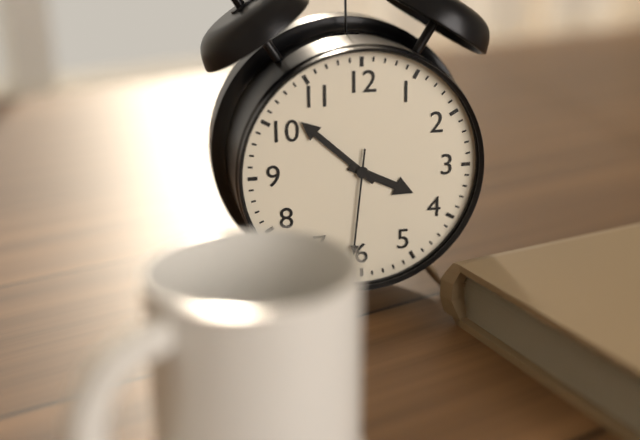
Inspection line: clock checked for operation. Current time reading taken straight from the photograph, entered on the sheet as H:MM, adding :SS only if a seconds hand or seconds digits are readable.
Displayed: 3:52:31
